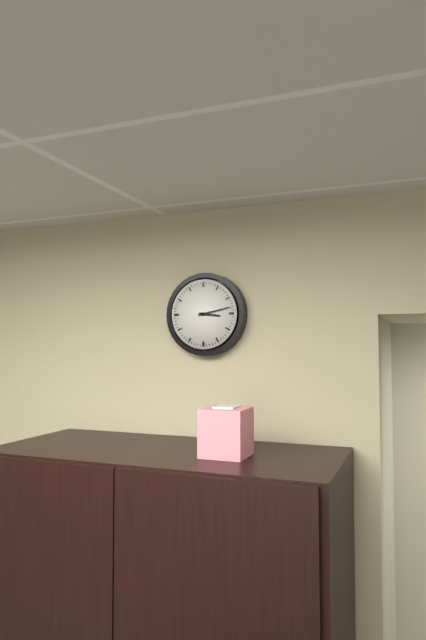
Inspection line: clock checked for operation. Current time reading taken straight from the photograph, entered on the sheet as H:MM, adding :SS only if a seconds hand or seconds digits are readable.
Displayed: 3:13
